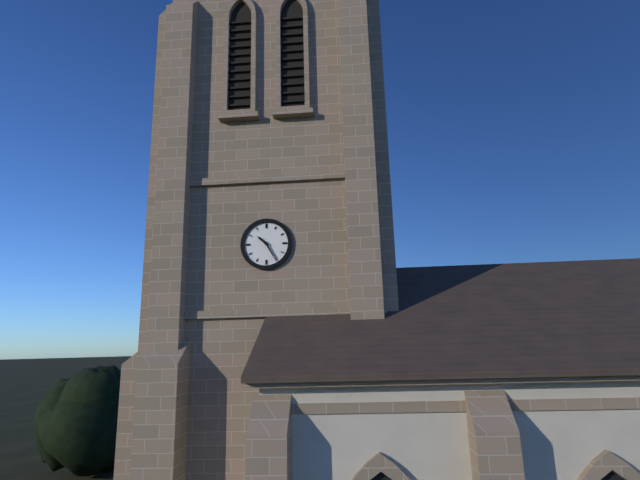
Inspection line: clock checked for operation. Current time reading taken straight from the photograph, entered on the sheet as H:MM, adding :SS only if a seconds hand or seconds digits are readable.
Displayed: 10:25
